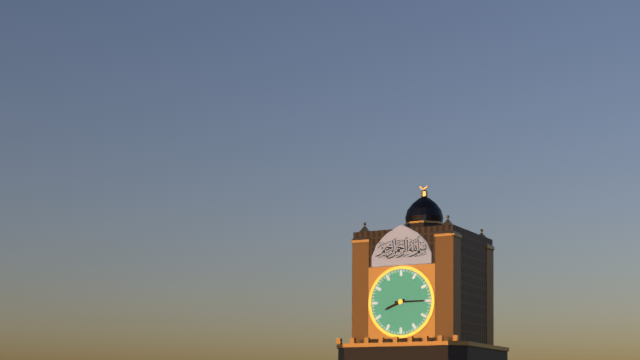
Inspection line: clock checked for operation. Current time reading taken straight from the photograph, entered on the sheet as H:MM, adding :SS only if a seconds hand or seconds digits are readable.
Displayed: 8:15
